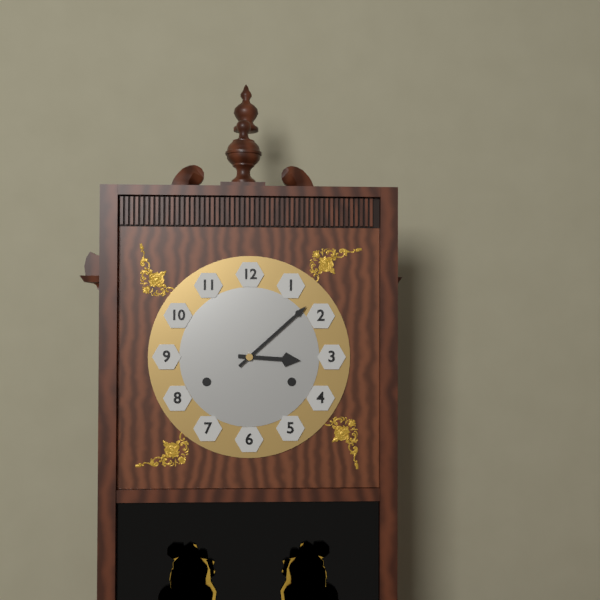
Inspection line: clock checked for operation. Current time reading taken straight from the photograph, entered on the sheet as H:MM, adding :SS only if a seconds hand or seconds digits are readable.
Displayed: 3:08
